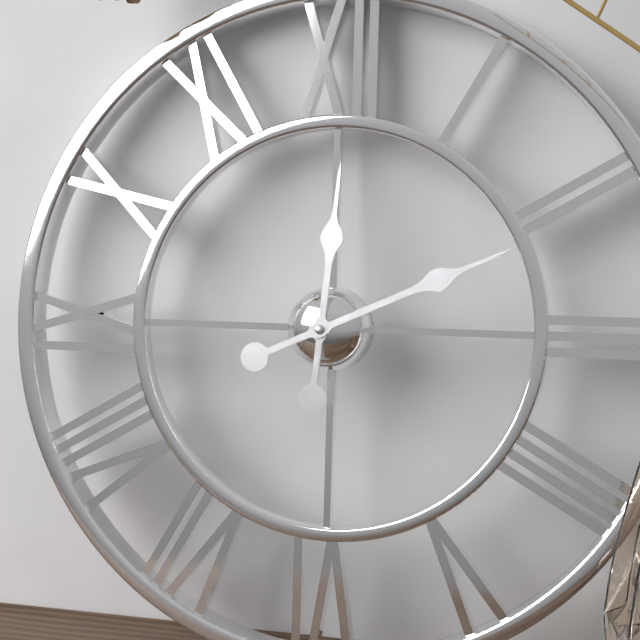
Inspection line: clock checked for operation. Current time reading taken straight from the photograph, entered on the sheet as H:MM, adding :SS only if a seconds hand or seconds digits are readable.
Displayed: 12:11
